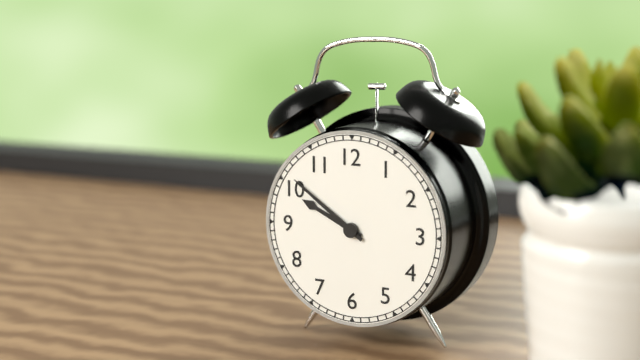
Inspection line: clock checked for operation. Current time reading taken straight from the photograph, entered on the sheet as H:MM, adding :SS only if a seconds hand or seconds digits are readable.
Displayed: 9:51
